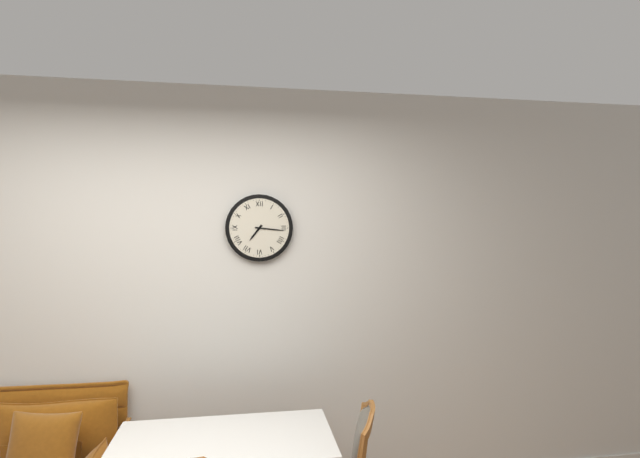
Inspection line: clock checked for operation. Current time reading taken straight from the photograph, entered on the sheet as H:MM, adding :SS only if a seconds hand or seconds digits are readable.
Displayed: 7:16
